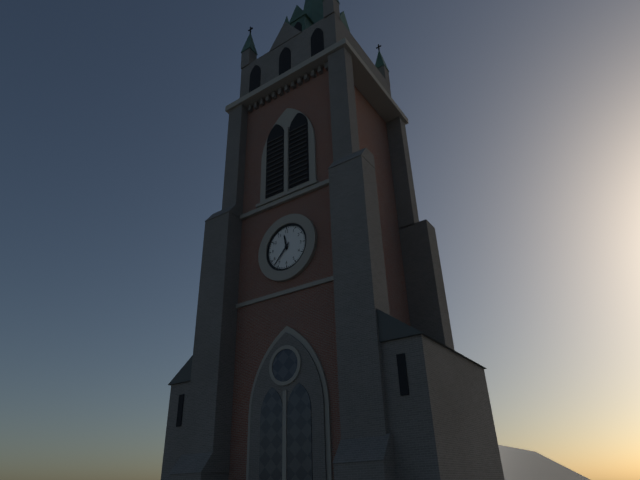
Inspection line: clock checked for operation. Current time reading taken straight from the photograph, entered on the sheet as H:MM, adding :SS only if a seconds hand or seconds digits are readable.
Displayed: 11:37
